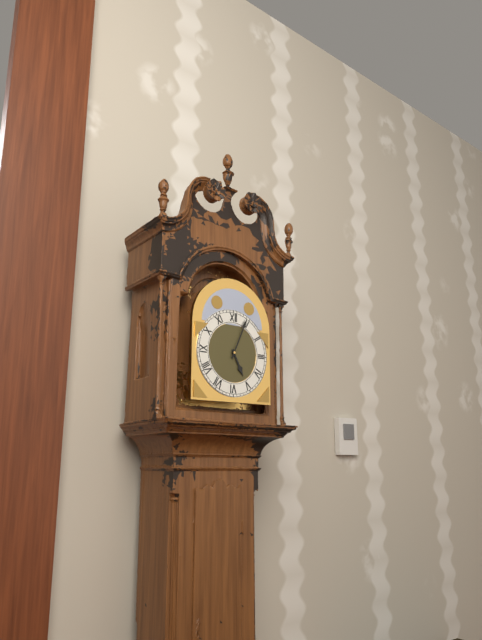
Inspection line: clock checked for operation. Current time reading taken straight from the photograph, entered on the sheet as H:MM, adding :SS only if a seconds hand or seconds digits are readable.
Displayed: 5:04
